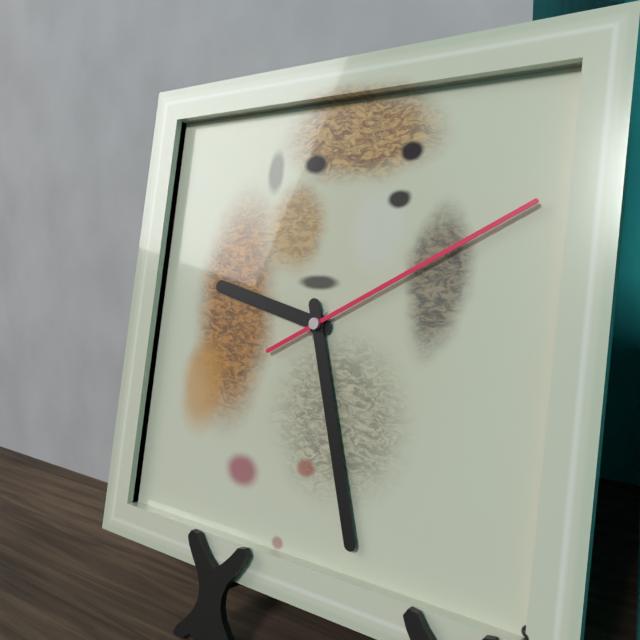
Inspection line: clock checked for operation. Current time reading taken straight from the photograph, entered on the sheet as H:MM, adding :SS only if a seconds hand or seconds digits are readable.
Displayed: 9:27:10
